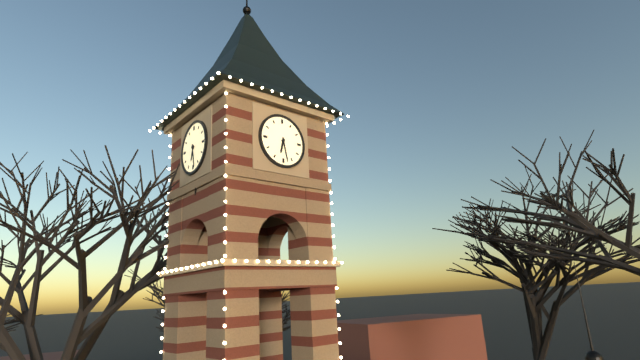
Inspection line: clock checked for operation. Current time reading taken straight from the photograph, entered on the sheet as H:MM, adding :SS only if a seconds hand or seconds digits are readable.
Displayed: 6:28
